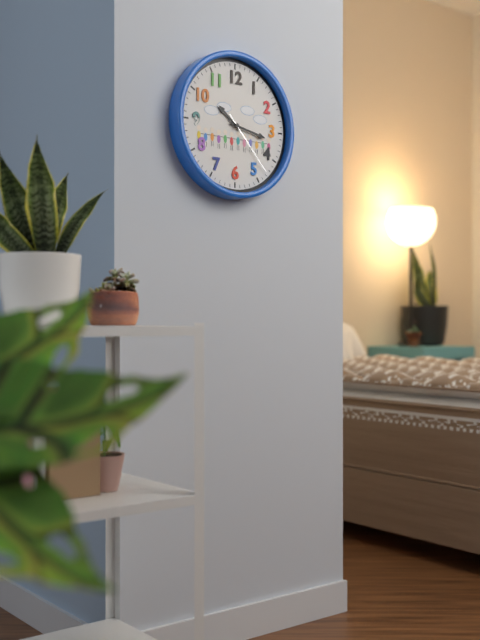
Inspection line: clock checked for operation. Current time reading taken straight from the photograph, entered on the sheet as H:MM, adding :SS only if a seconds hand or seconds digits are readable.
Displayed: 10:17:23
